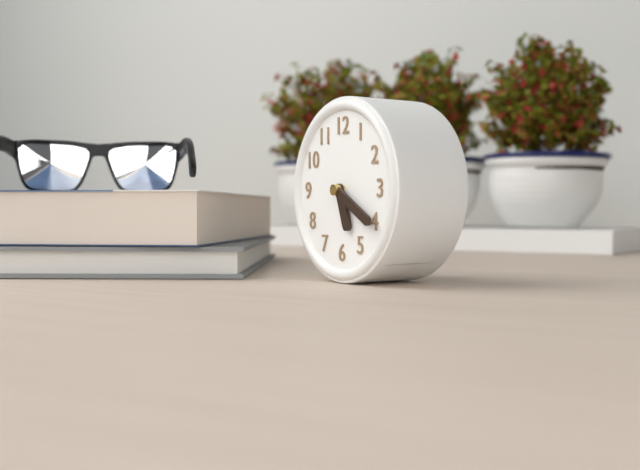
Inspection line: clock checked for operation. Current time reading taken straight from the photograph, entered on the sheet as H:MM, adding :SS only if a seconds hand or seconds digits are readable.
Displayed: 5:20
